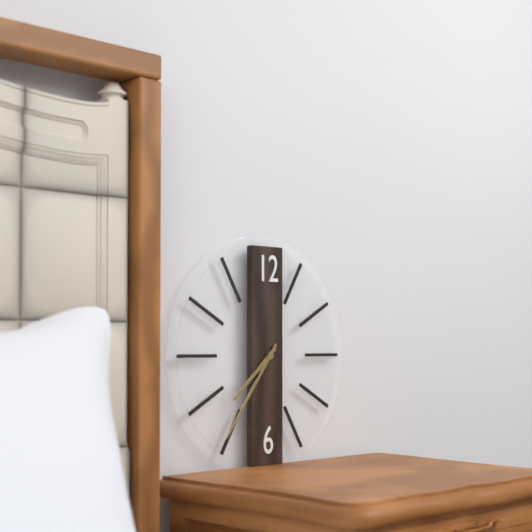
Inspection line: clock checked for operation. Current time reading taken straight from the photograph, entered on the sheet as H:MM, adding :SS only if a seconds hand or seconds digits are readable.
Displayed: 7:36
